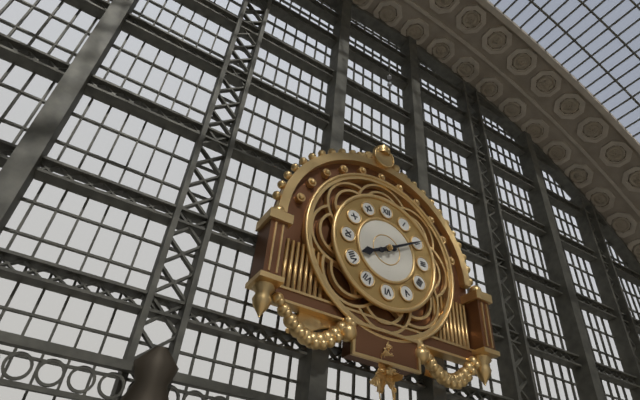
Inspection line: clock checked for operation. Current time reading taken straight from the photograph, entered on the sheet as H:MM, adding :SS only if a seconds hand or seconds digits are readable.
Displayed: 8:10
